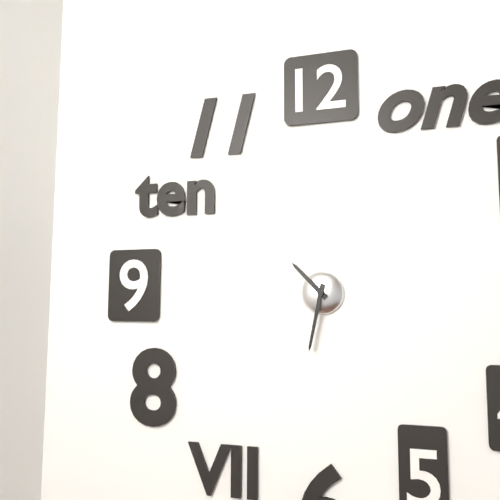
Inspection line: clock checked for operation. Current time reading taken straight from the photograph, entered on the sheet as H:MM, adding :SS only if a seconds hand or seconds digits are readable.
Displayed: 10:32
